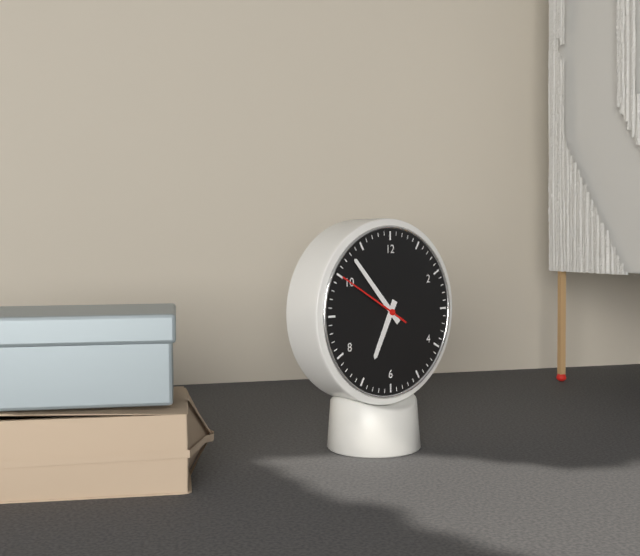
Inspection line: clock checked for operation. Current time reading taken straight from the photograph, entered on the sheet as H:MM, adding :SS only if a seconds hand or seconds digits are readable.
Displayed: 6:53:50
